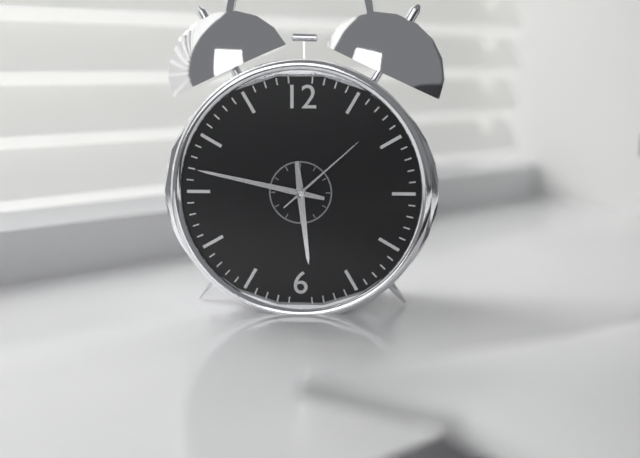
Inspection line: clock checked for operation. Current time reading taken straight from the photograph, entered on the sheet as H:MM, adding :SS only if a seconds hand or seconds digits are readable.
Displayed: 5:47:08
